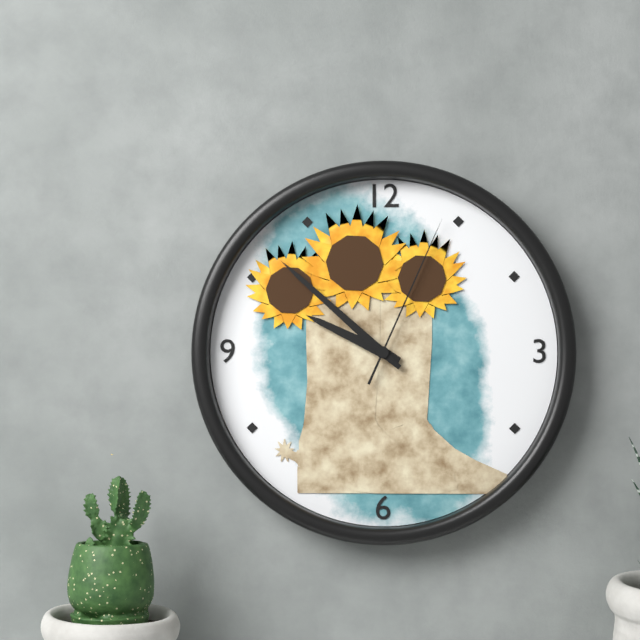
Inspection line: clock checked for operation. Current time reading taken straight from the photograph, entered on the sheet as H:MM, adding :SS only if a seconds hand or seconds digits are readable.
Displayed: 9:52:04
